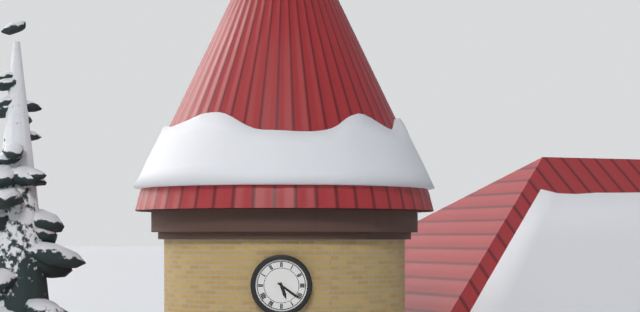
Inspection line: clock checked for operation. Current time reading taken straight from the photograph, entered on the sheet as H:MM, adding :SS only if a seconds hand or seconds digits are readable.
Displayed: 5:21
